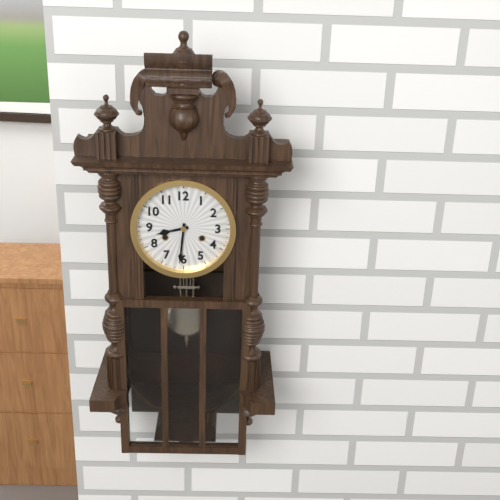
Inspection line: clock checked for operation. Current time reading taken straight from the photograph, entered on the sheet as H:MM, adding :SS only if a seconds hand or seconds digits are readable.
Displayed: 8:31
